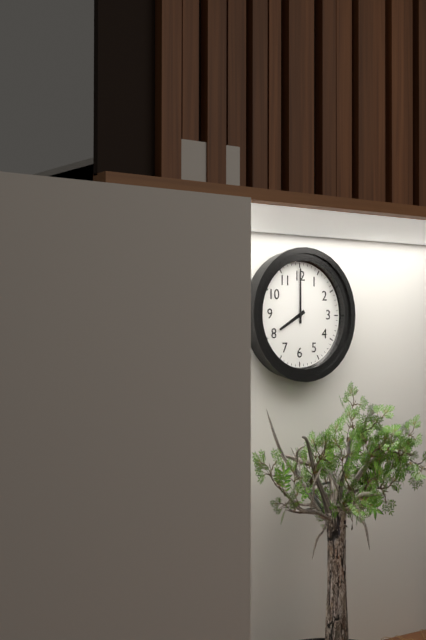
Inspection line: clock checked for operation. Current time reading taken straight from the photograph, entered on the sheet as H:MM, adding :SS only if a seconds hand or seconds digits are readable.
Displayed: 8:00
